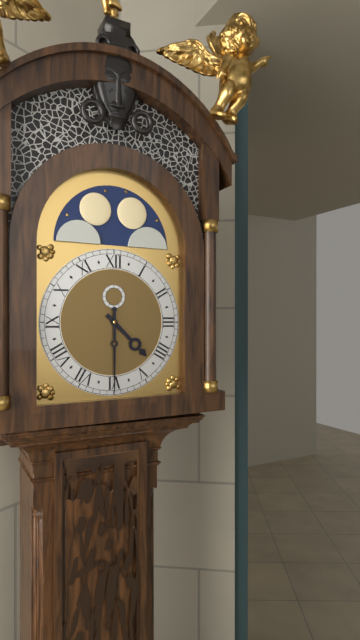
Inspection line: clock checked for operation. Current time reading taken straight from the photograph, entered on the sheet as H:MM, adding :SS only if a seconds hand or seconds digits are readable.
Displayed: 4:30
